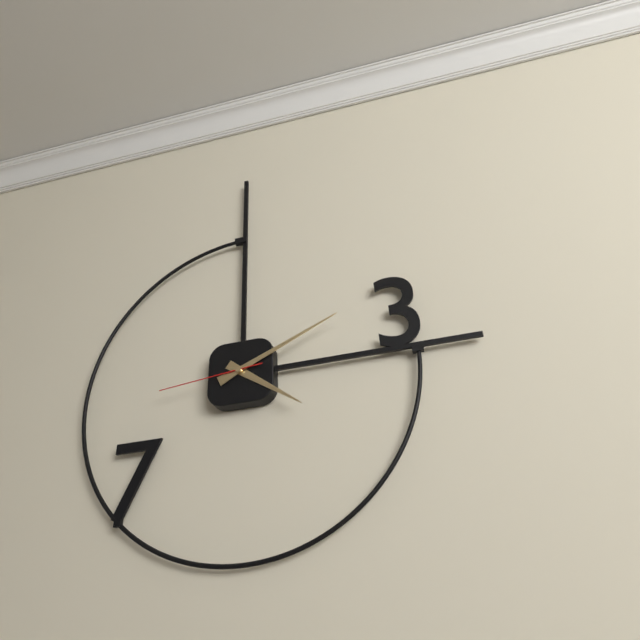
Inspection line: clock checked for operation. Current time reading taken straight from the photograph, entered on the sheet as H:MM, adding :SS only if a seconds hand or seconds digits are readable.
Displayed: 4:11:44
